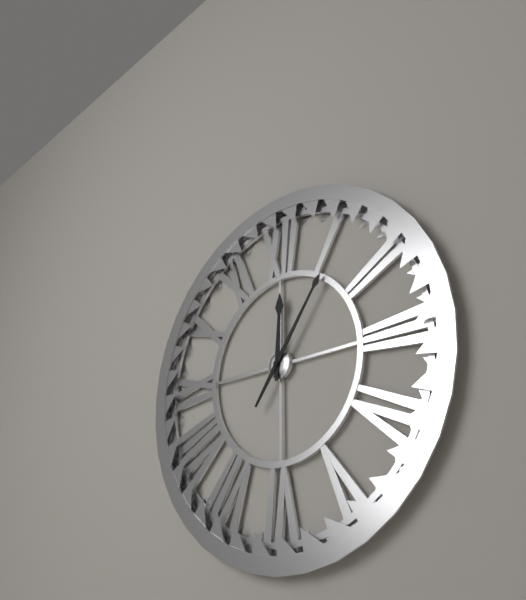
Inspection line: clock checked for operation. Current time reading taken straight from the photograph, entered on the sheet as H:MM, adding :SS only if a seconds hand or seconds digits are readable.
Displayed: 12:06
